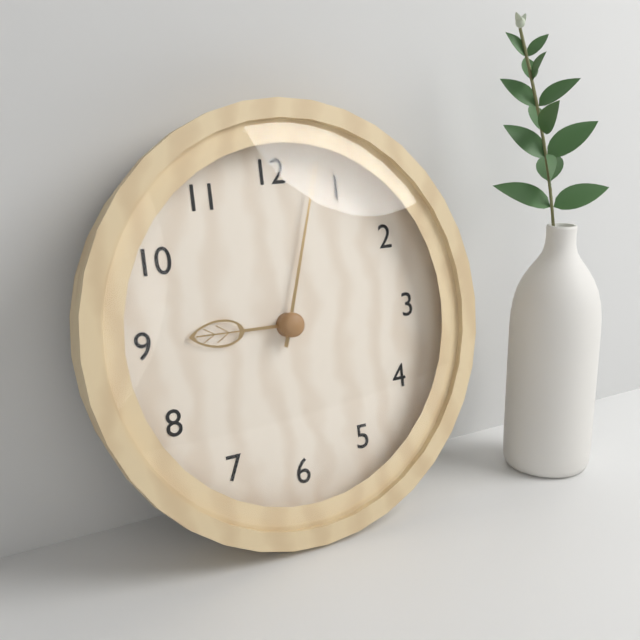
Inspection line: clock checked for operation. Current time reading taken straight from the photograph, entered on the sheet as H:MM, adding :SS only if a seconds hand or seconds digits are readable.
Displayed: 9:03
